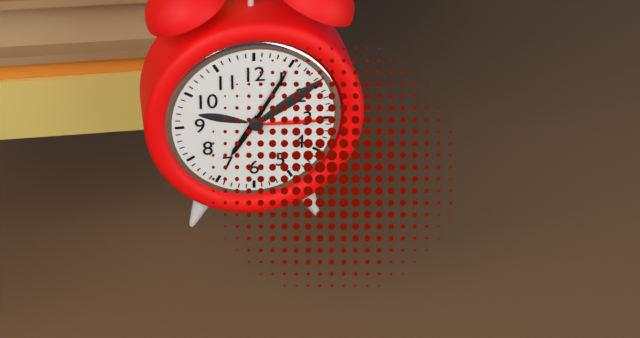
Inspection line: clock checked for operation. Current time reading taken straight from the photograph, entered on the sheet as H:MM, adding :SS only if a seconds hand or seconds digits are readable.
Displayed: 7:05
